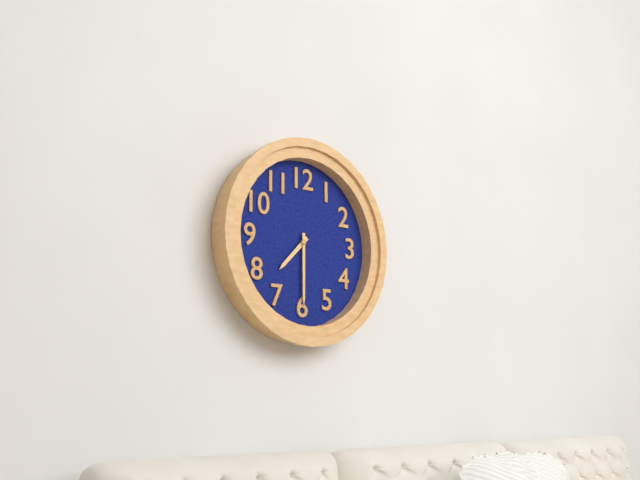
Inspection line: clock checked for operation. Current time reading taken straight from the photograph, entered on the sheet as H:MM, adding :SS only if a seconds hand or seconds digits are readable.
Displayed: 7:30
